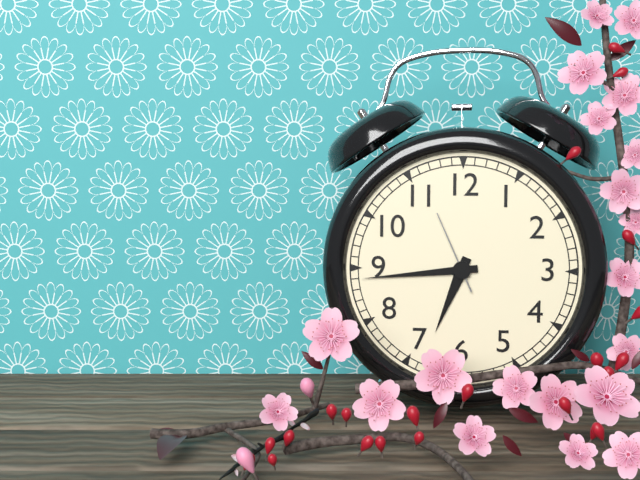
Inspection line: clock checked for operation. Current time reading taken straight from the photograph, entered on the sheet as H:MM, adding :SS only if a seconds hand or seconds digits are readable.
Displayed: 6:44:56
